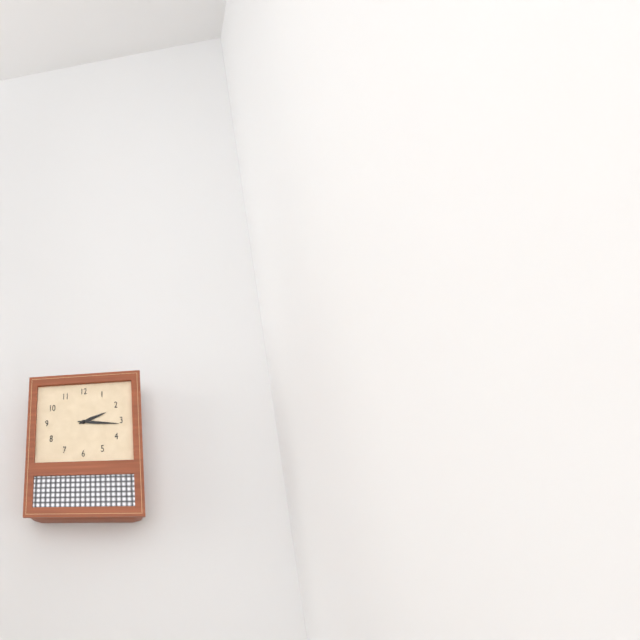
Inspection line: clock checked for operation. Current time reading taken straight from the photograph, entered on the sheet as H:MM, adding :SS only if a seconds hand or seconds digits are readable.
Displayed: 2:16
